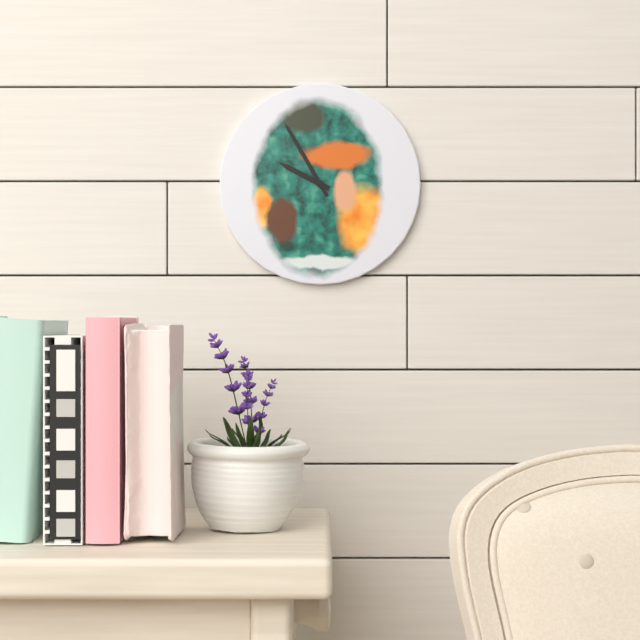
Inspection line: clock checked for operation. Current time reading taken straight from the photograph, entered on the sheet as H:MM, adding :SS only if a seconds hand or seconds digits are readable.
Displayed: 9:55
